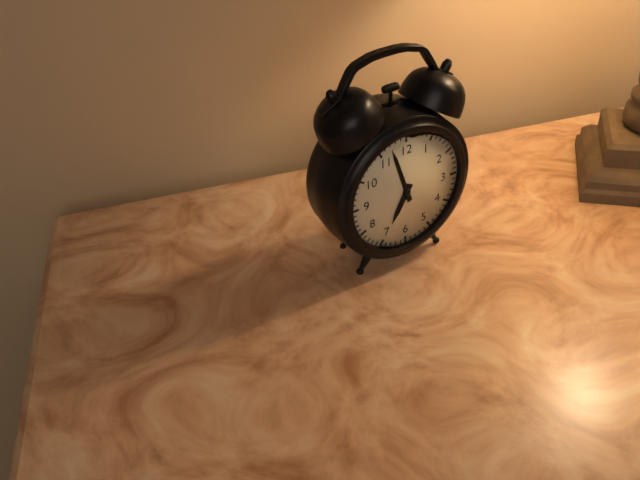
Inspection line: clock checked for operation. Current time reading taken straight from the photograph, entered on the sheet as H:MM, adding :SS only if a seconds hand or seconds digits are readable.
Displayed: 6:57
